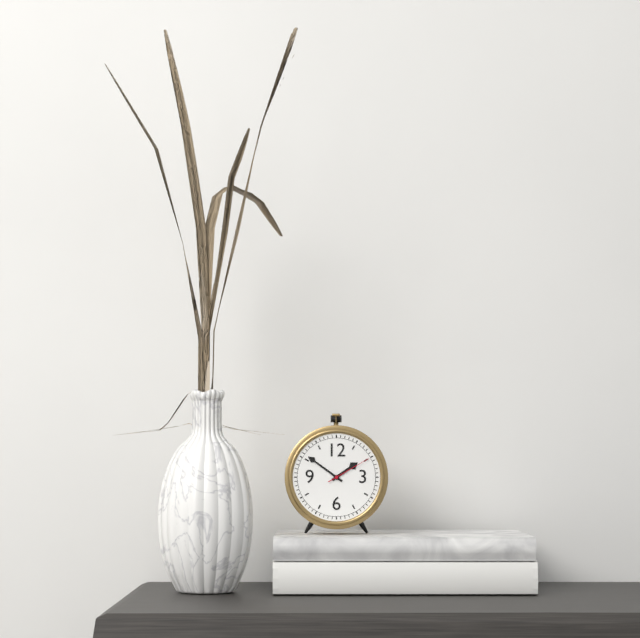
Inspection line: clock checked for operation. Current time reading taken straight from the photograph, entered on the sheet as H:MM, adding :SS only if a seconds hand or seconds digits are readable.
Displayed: 1:51
